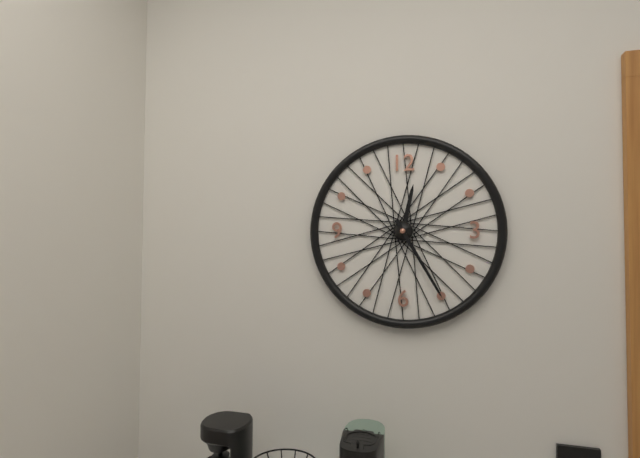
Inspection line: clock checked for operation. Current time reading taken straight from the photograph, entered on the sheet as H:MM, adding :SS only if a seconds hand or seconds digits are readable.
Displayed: 12:25
